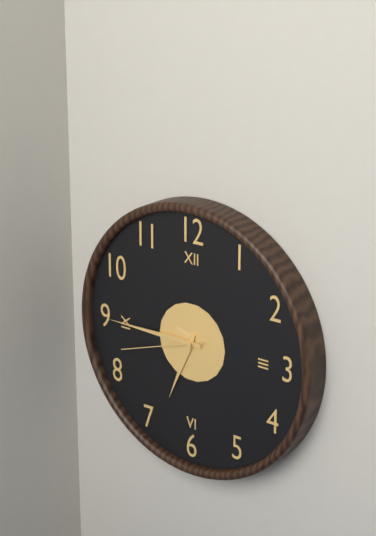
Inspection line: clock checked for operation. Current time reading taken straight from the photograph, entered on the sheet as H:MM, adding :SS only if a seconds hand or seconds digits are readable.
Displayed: 6:45:42
